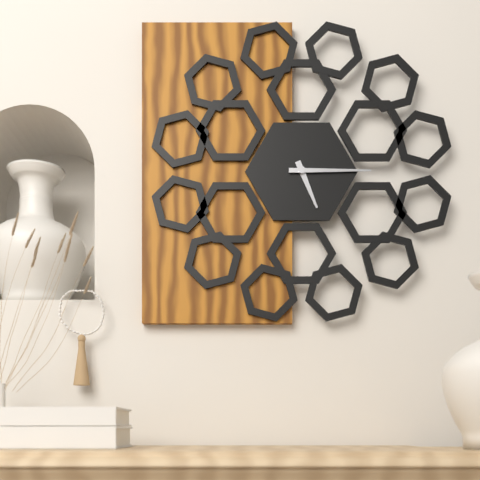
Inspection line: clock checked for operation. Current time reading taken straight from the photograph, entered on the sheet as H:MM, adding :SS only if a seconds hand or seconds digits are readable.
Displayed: 5:15
